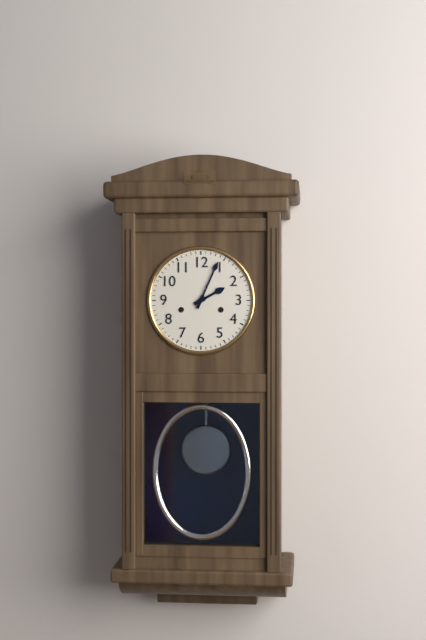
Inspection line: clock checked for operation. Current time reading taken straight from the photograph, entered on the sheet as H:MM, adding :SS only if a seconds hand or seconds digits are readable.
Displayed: 2:04
